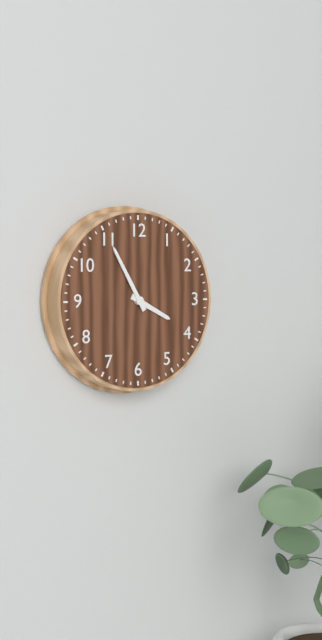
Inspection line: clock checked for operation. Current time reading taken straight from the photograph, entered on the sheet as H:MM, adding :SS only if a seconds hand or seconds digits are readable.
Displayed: 3:55
